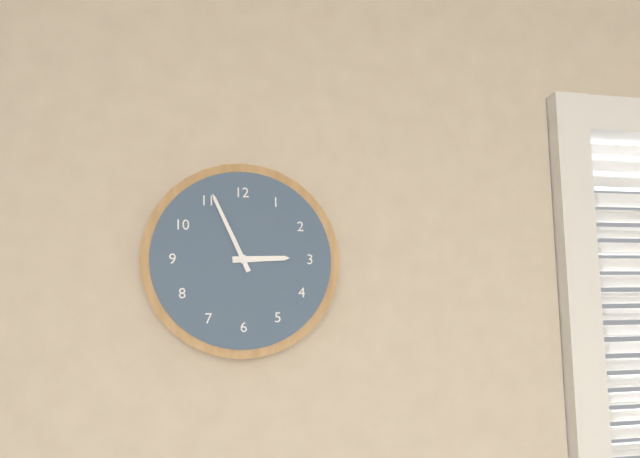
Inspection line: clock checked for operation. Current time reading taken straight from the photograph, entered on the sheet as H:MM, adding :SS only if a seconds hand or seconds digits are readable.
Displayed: 2:56
